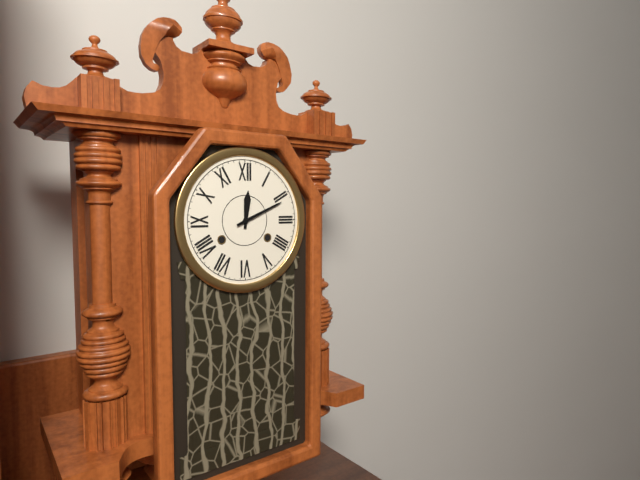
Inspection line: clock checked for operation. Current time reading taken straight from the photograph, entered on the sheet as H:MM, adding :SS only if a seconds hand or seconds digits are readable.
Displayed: 12:11
